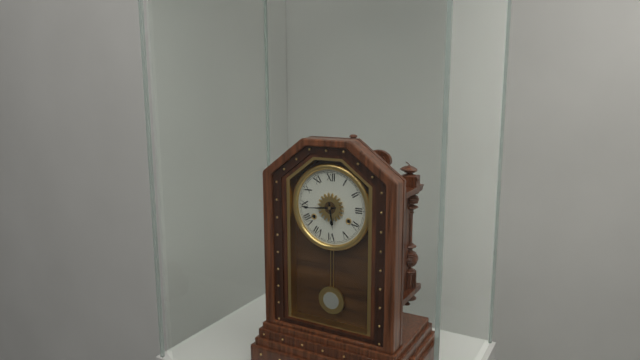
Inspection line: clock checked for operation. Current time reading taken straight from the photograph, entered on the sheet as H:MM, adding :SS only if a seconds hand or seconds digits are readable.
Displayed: 5:44
